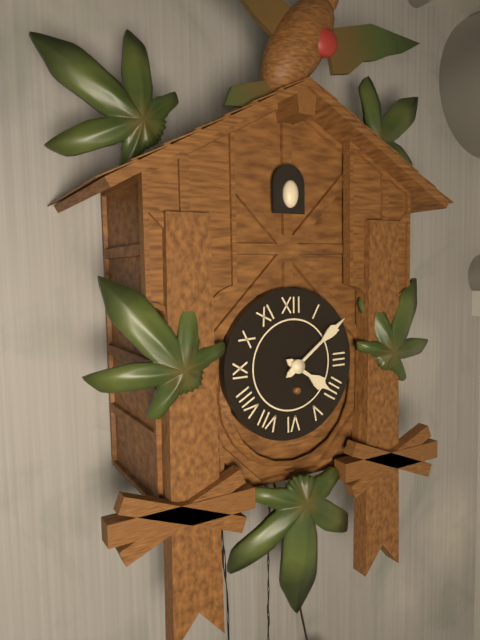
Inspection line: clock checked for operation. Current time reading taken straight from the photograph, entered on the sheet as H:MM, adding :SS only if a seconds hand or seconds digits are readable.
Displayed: 4:09
